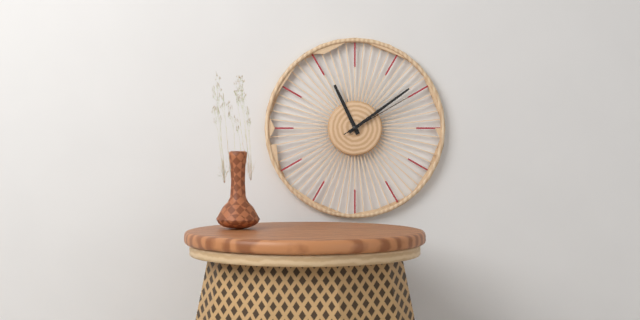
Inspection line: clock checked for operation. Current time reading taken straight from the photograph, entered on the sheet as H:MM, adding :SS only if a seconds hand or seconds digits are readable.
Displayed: 11:09:10
